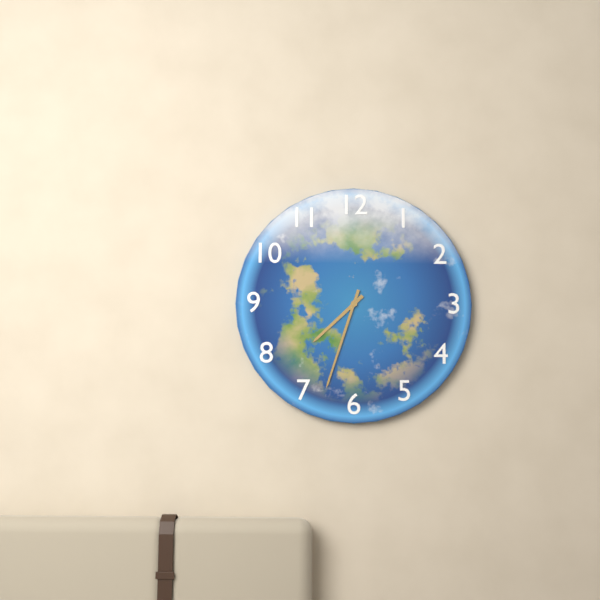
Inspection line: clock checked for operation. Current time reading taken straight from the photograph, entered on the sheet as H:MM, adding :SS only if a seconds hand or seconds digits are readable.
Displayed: 7:33
